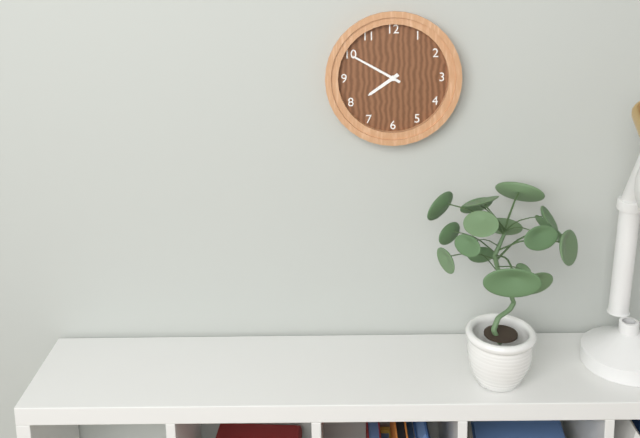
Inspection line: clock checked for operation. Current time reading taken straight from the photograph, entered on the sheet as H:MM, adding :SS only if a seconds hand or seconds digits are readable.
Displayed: 7:50
